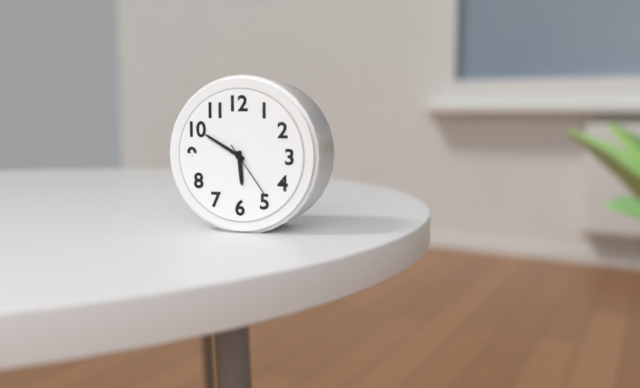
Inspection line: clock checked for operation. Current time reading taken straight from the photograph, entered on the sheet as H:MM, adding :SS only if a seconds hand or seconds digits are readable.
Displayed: 5:50:24
